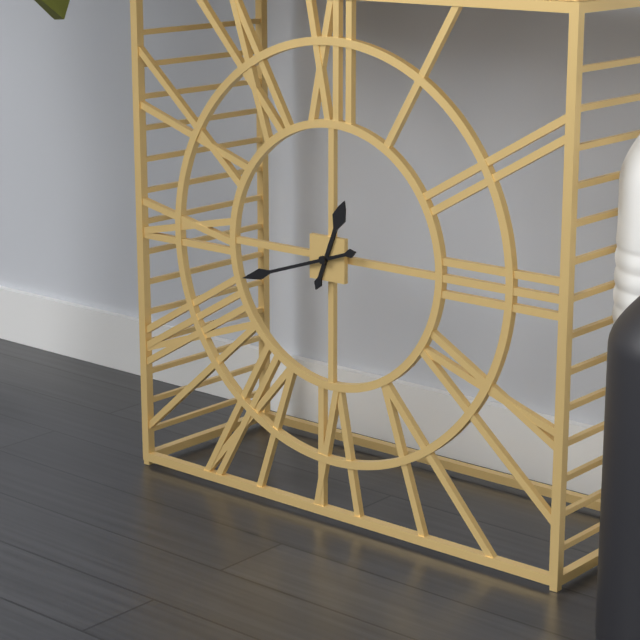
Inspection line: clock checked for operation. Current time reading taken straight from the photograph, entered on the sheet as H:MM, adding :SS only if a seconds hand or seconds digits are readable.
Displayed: 12:42
